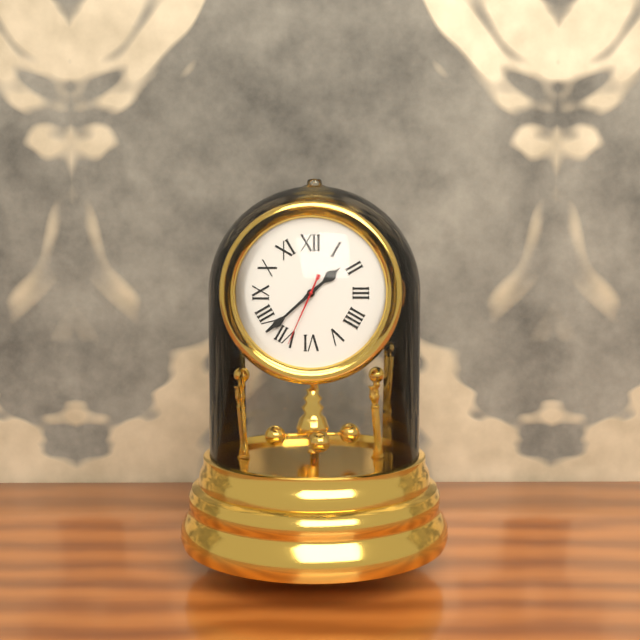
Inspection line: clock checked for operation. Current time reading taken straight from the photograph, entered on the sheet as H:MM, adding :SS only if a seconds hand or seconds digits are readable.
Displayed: 1:38:34
